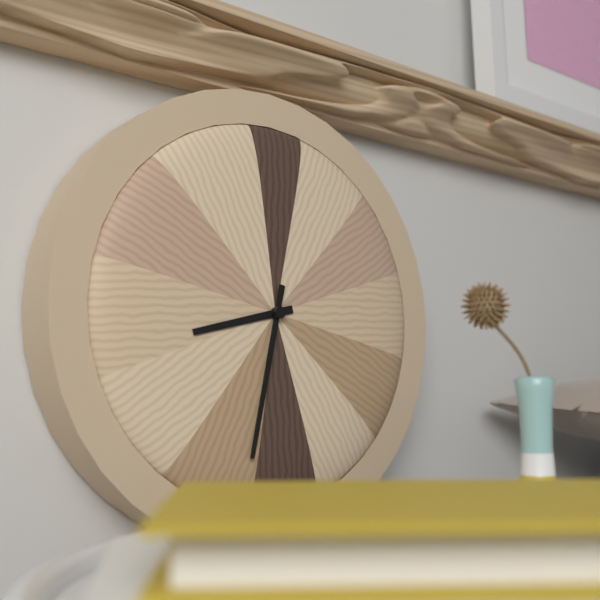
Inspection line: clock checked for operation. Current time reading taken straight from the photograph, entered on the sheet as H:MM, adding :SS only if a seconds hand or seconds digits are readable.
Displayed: 8:32
